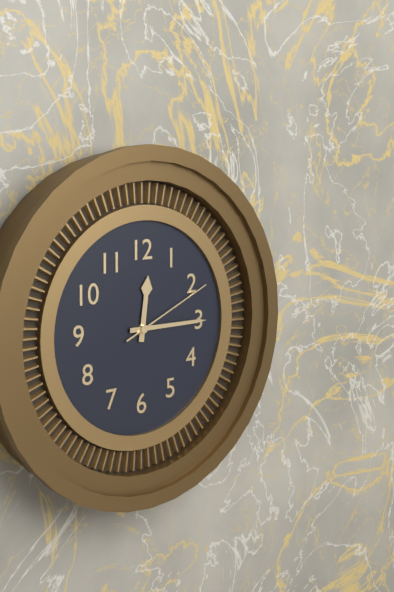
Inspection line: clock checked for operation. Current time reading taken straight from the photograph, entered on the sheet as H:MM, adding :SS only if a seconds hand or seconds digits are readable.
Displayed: 12:15:11
